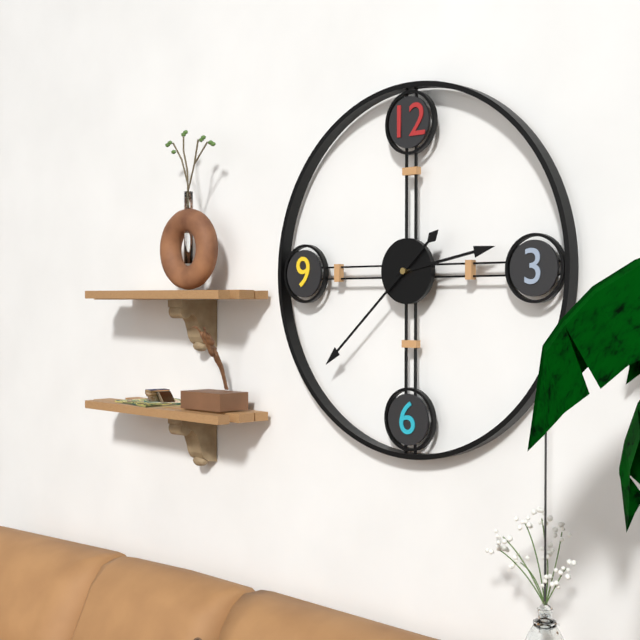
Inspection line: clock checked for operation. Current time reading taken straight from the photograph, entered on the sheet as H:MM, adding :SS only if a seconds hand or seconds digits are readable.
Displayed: 2:38
